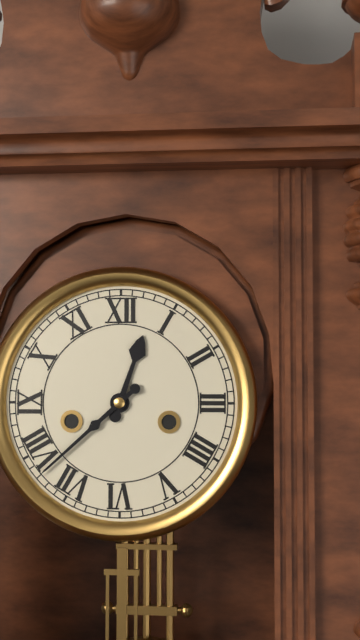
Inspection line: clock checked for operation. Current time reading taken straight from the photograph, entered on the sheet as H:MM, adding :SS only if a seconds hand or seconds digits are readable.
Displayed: 12:38
